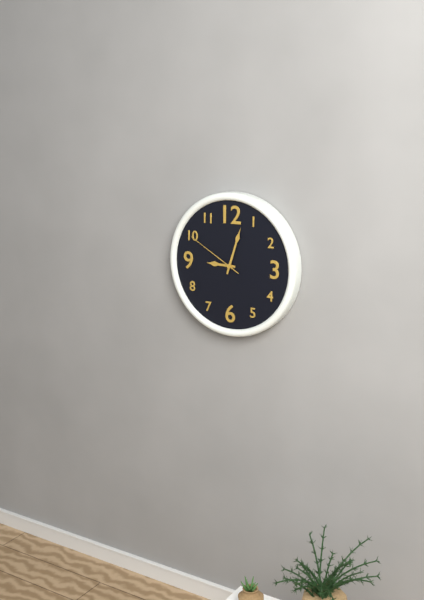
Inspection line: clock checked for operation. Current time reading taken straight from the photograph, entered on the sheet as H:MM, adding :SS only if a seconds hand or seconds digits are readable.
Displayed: 9:03:50
